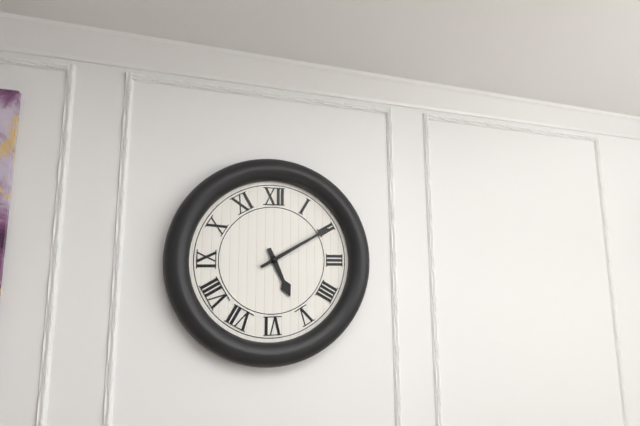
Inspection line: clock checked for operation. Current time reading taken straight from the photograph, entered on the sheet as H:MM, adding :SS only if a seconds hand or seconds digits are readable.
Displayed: 5:10
